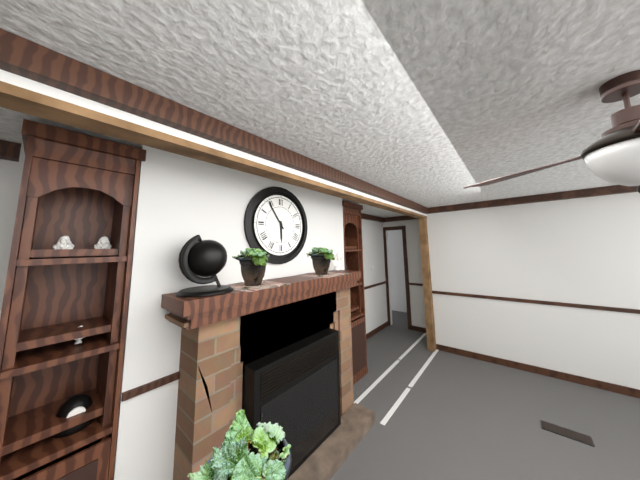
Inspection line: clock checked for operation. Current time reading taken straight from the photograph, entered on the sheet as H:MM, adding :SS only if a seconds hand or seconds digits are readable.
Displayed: 5:54
